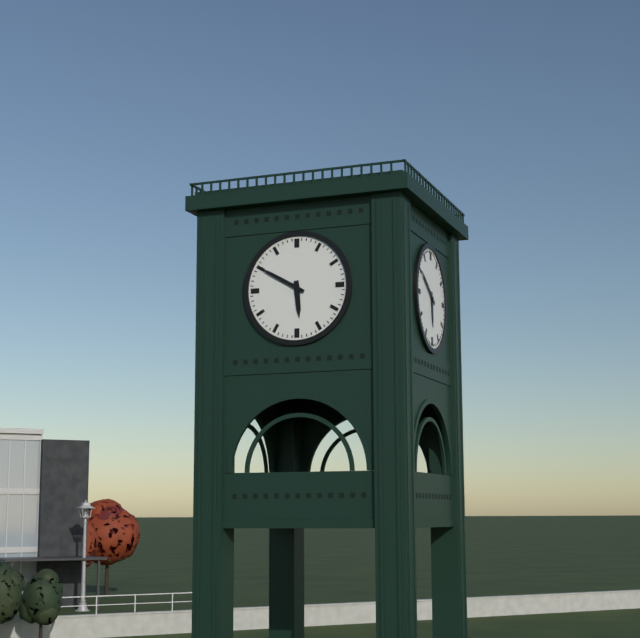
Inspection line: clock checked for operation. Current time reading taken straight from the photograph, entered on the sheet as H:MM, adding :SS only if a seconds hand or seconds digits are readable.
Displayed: 5:50
